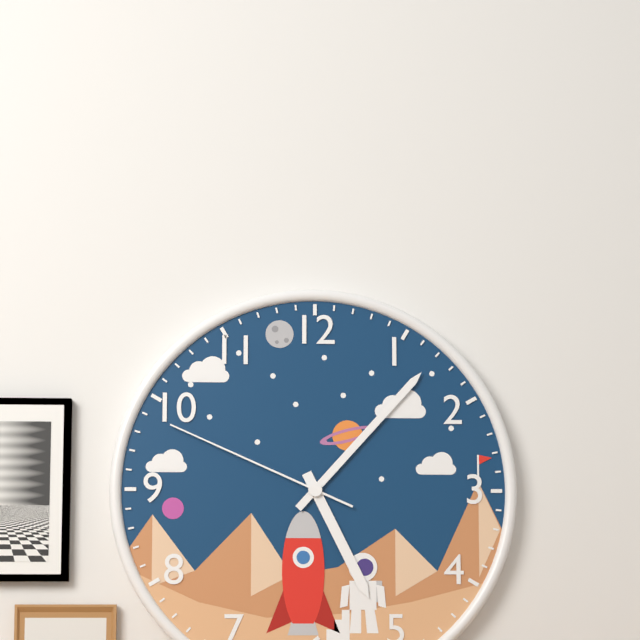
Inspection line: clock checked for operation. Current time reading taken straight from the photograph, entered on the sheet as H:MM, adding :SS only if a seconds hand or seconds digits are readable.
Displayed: 5:07:49
